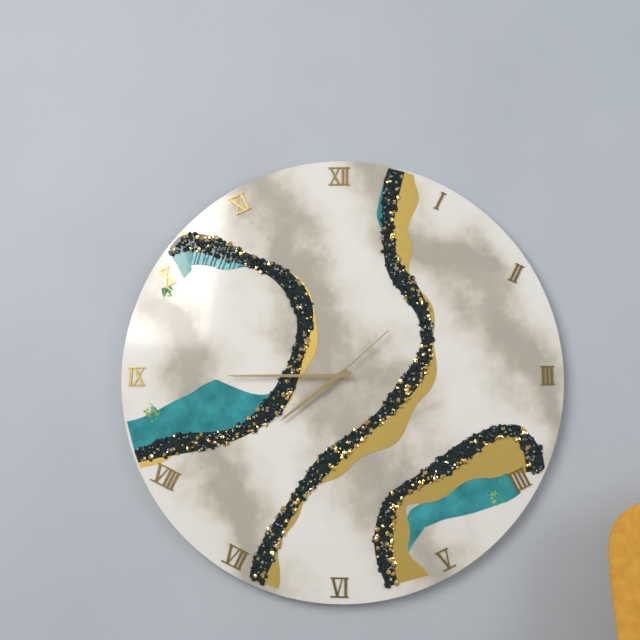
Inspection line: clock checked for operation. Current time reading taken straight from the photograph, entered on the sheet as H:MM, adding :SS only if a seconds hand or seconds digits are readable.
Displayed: 7:45:08
